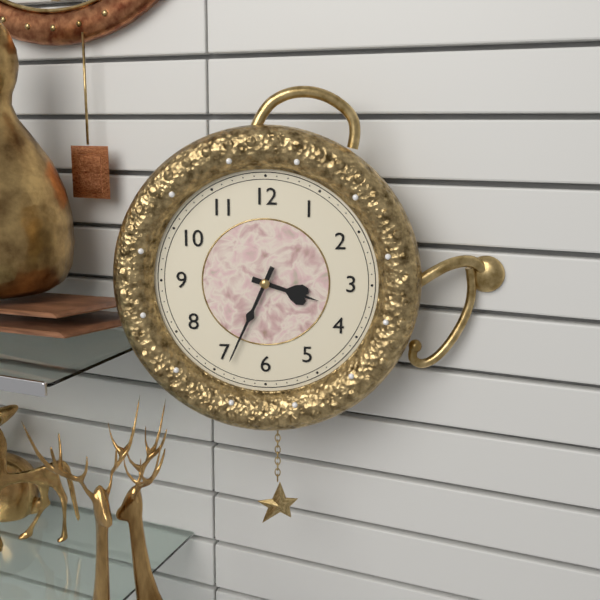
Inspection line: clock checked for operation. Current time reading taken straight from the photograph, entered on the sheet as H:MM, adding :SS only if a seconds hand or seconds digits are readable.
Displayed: 3:34
